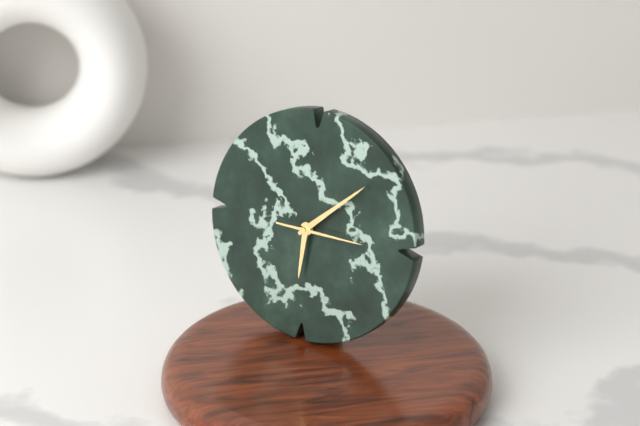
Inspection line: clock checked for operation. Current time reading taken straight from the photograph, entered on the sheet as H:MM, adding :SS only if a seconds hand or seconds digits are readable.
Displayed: 6:08:15
